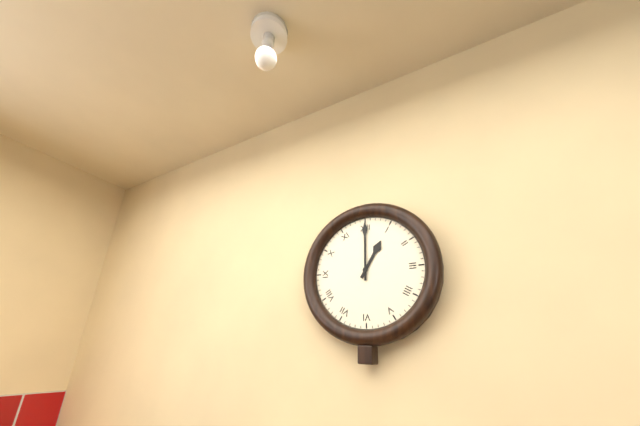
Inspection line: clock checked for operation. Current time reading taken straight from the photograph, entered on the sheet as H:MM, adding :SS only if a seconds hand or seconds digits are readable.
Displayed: 1:00
